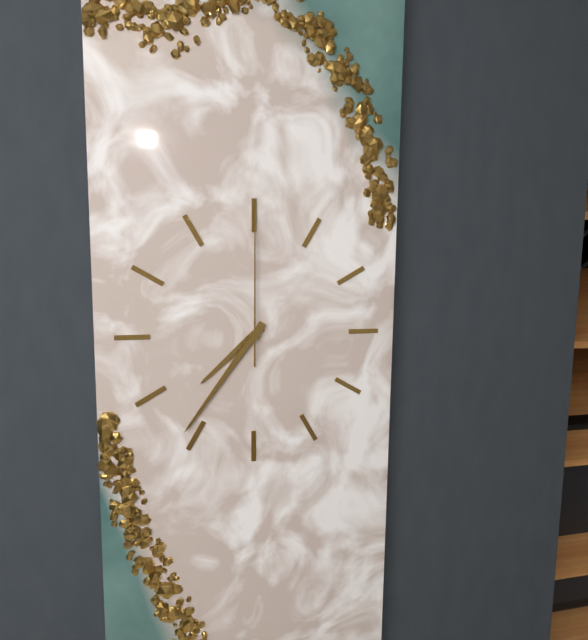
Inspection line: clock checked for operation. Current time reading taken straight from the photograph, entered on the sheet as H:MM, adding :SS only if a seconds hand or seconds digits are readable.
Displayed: 7:36:00
